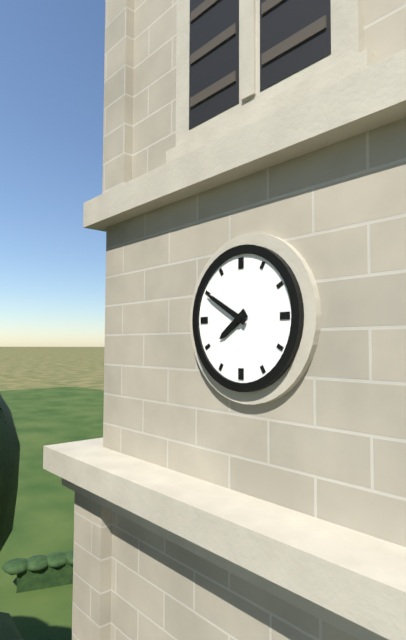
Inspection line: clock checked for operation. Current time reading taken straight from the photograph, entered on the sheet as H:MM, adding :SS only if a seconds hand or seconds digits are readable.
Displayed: 7:50
